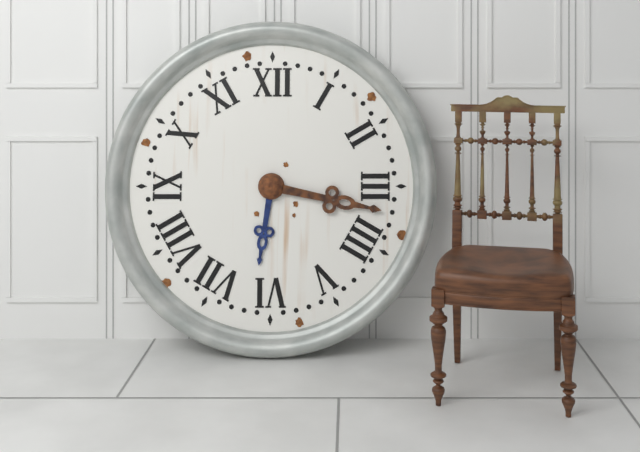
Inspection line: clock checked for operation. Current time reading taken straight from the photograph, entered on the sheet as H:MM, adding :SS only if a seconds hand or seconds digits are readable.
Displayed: 6:17
